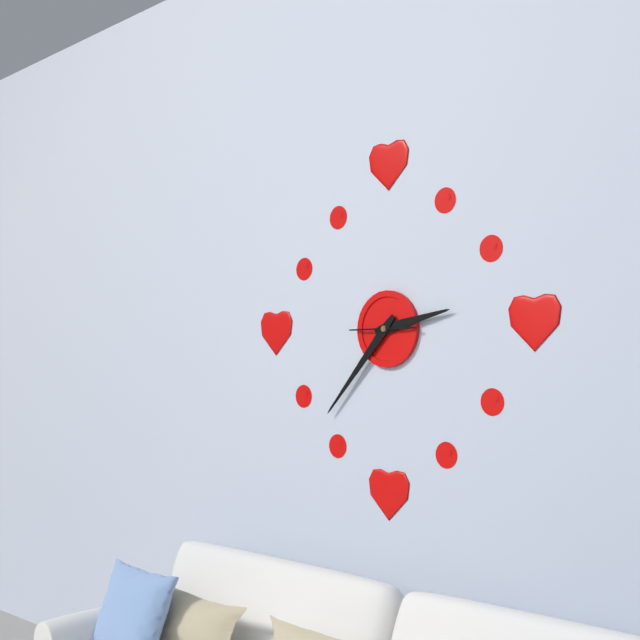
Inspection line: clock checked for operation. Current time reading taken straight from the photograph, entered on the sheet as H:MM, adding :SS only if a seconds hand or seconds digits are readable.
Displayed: 2:37
